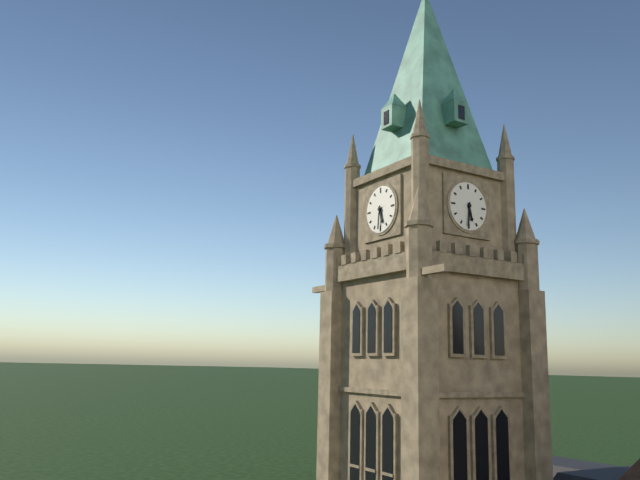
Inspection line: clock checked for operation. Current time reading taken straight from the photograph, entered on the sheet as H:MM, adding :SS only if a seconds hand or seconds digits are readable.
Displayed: 5:31
